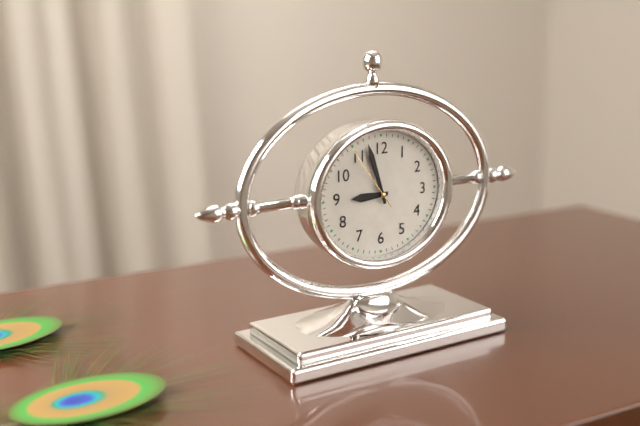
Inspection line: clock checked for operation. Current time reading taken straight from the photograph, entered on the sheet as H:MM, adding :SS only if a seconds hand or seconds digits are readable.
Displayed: 8:57:54
